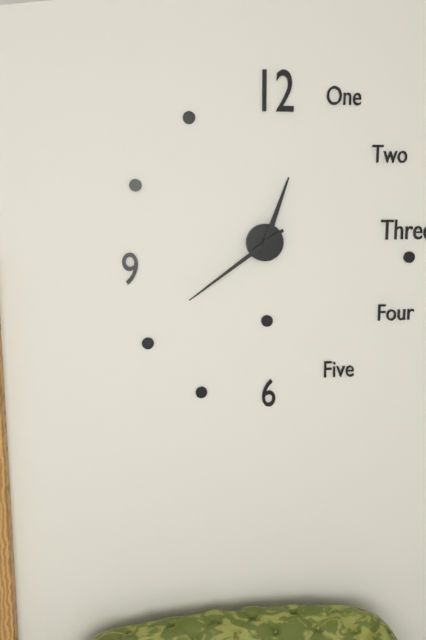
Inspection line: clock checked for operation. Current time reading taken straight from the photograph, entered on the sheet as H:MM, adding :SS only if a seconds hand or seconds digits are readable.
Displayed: 12:39
